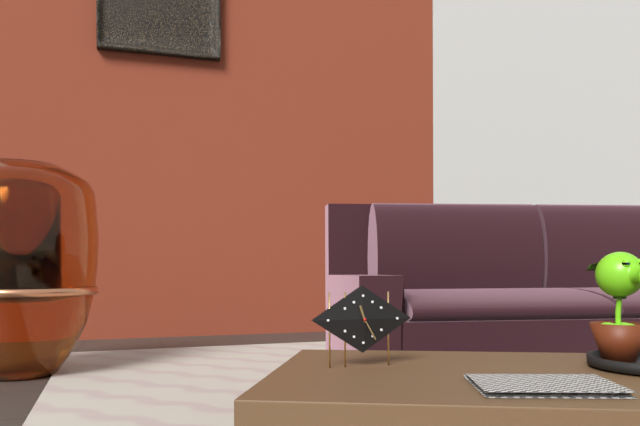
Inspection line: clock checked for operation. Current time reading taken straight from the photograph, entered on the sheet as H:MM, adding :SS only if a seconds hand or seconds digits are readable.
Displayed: 11:25
